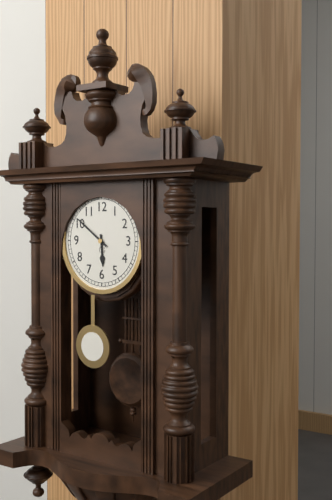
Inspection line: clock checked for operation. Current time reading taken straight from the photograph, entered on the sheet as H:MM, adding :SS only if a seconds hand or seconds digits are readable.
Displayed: 5:51
